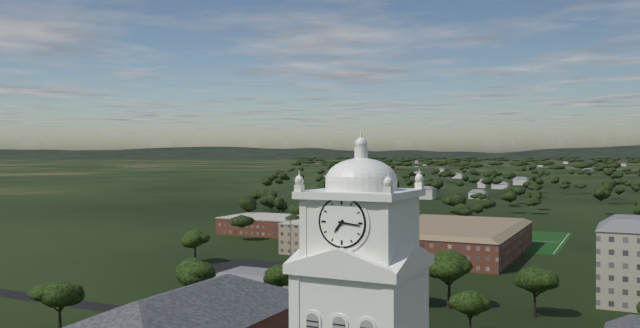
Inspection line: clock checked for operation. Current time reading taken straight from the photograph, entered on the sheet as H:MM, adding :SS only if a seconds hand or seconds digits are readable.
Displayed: 7:16
